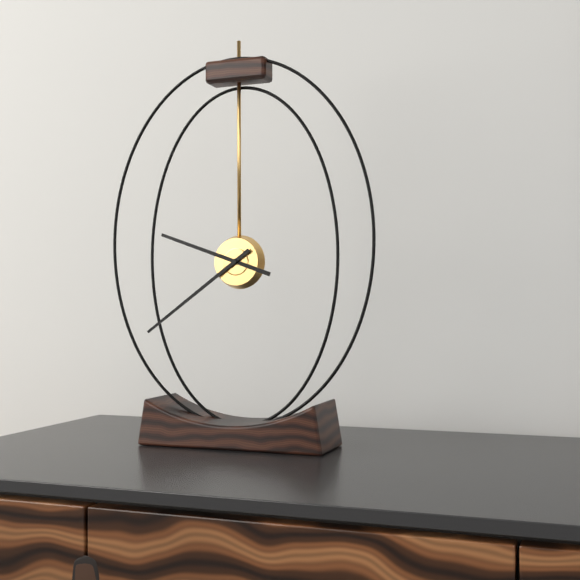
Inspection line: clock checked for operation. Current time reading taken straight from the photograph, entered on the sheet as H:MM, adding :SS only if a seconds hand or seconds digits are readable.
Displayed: 9:39
